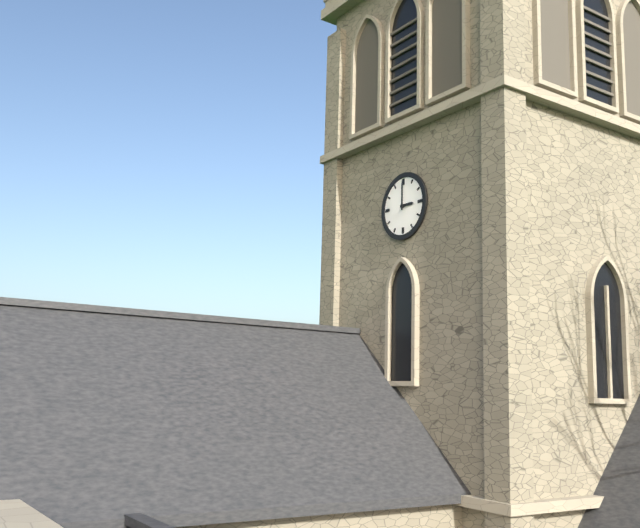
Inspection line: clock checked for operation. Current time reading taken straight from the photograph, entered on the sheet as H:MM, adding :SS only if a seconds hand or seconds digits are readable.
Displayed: 3:00
